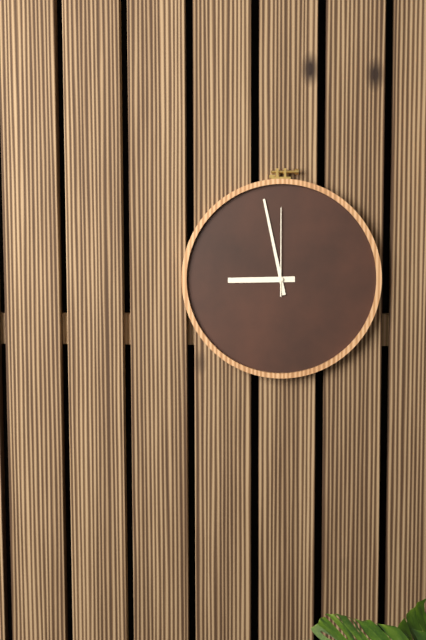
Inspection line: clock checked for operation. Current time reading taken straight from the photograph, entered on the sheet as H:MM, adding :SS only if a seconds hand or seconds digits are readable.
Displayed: 8:58:00
